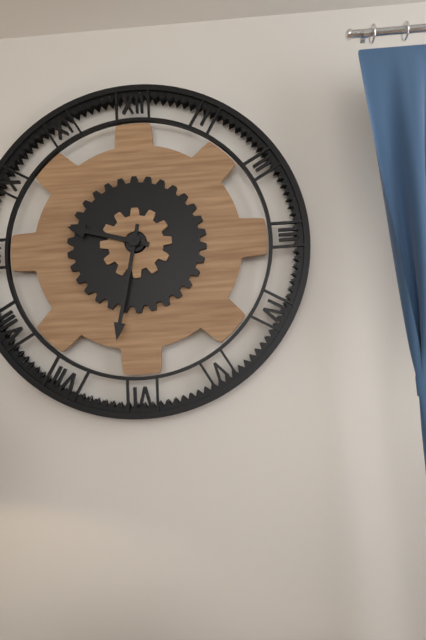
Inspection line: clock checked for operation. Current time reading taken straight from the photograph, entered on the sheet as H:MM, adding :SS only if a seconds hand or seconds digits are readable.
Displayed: 9:32
